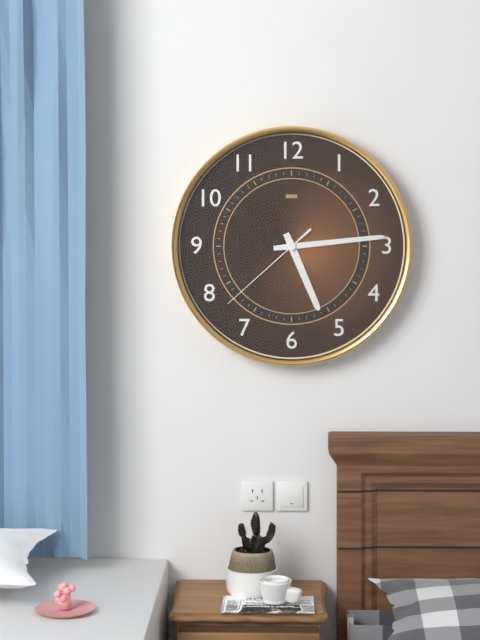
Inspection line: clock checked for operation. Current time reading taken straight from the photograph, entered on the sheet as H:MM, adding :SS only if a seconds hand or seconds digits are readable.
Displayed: 5:14:38
